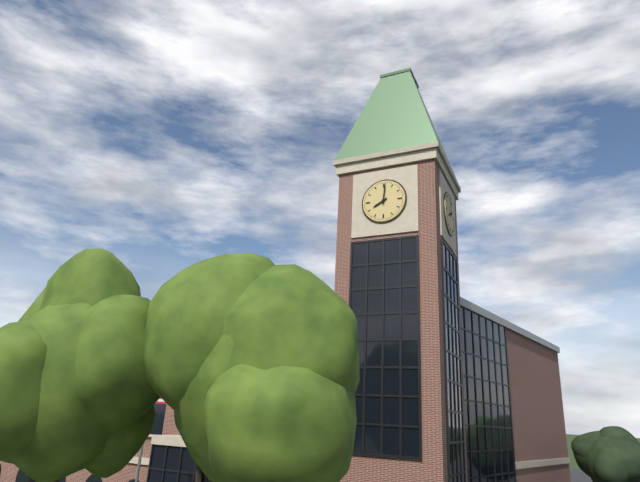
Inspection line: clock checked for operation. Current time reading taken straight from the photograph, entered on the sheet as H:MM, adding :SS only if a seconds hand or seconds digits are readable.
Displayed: 8:01
